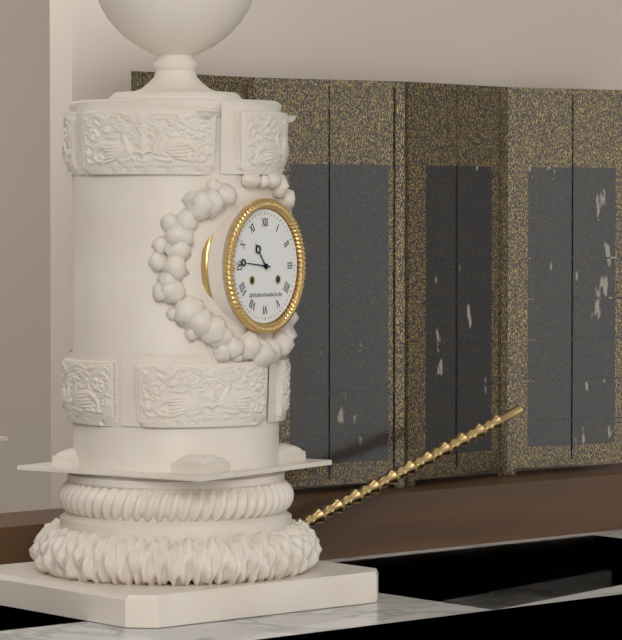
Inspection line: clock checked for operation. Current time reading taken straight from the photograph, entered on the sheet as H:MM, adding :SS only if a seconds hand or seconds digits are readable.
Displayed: 10:46
